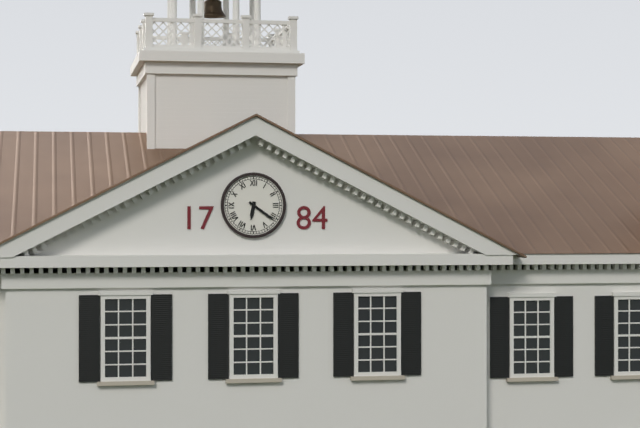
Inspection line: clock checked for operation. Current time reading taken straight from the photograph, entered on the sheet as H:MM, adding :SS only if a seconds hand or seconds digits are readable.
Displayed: 6:21
